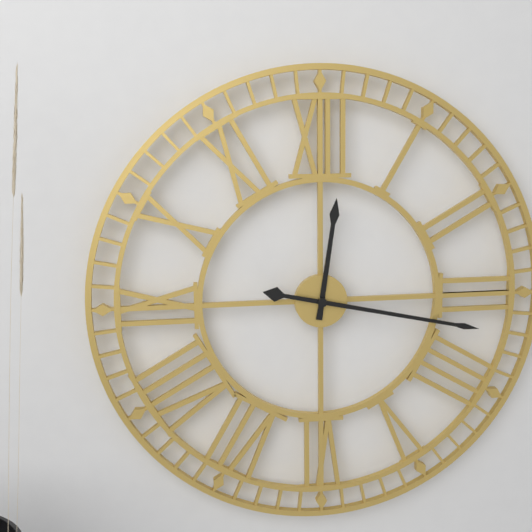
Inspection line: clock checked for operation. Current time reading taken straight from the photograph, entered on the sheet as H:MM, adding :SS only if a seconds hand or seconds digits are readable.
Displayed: 12:17
